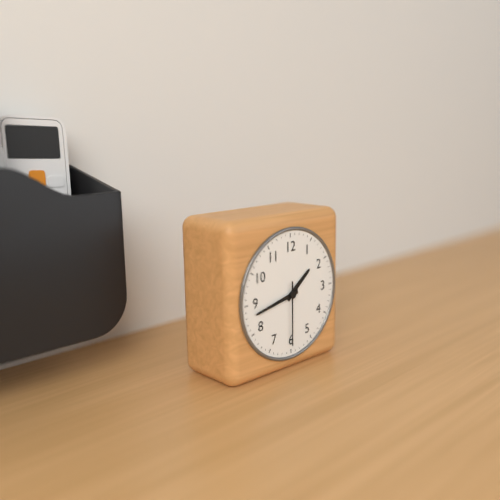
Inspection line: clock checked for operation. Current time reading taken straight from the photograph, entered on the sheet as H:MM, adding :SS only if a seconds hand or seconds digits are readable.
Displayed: 1:43:30
